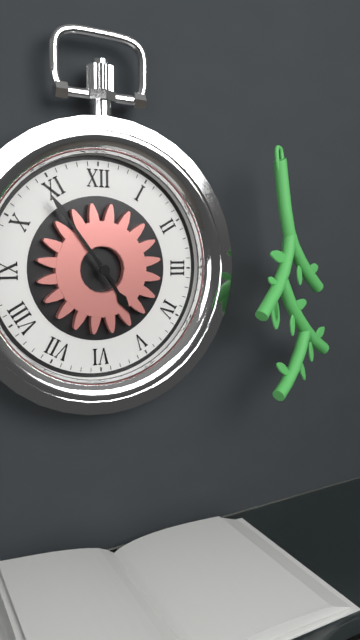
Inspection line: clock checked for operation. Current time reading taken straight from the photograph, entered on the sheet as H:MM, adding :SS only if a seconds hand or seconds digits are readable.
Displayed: 4:54
